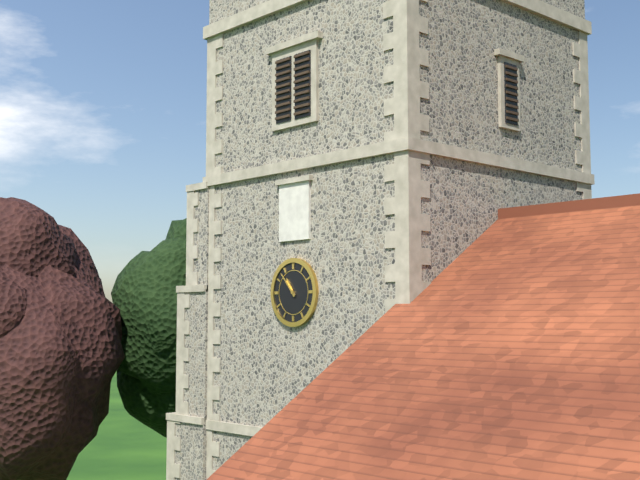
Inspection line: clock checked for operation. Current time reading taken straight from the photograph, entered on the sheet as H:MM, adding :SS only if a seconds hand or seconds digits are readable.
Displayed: 10:53
